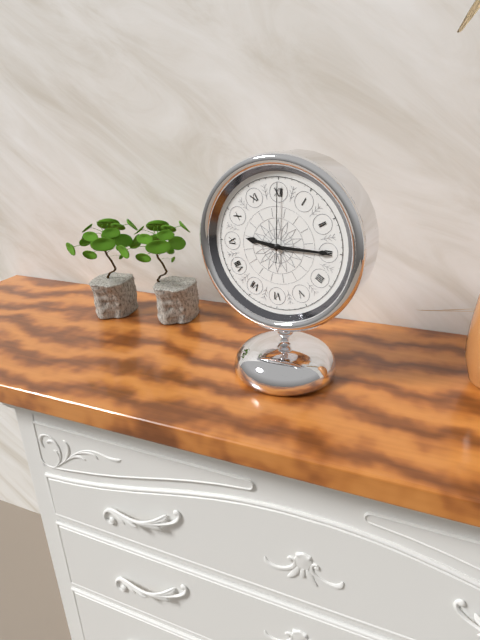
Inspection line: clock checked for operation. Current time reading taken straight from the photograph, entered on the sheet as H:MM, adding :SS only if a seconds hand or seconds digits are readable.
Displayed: 9:15:00
